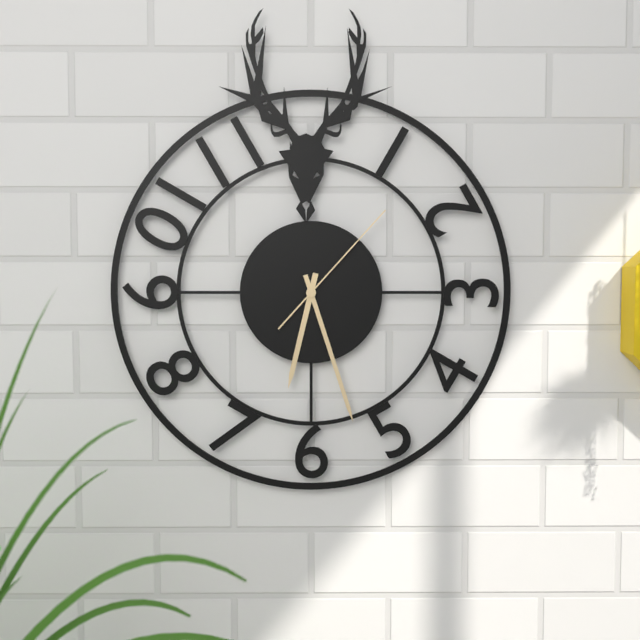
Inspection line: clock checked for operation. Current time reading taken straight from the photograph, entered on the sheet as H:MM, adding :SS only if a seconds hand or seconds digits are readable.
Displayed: 6:27:07
